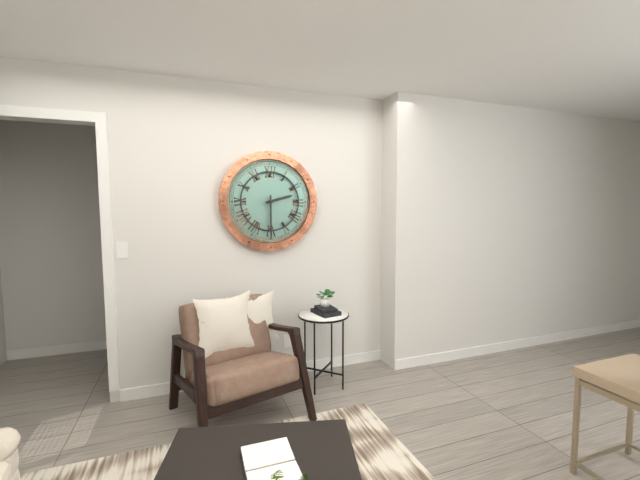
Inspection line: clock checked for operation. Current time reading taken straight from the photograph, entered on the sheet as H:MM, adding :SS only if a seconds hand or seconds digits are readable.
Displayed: 2:30
